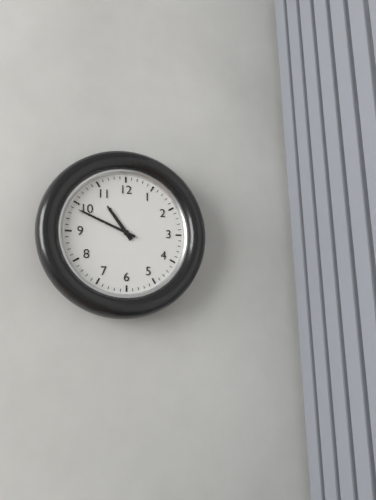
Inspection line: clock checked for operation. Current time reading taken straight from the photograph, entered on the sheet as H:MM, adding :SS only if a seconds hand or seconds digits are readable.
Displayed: 10:49
